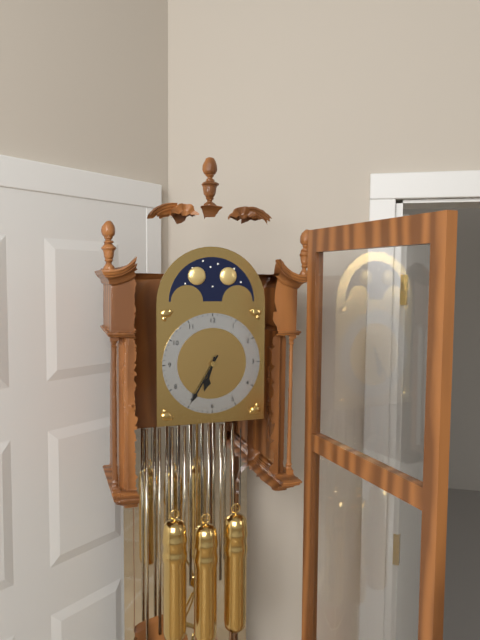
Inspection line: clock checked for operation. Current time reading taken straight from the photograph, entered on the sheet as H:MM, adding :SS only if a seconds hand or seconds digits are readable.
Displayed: 6:35
